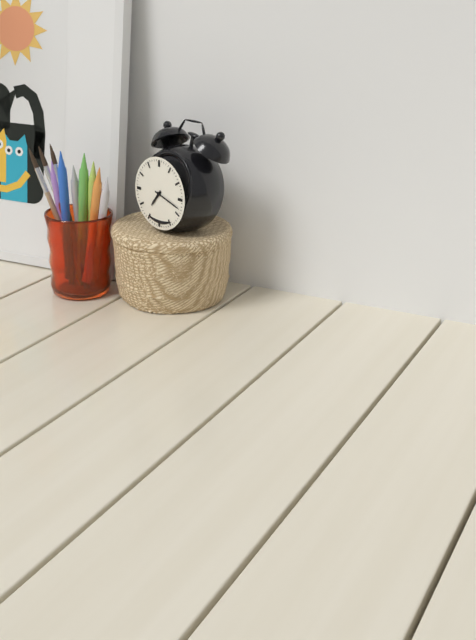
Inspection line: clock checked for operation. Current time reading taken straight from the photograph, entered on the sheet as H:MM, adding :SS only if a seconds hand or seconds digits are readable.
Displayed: 7:18
